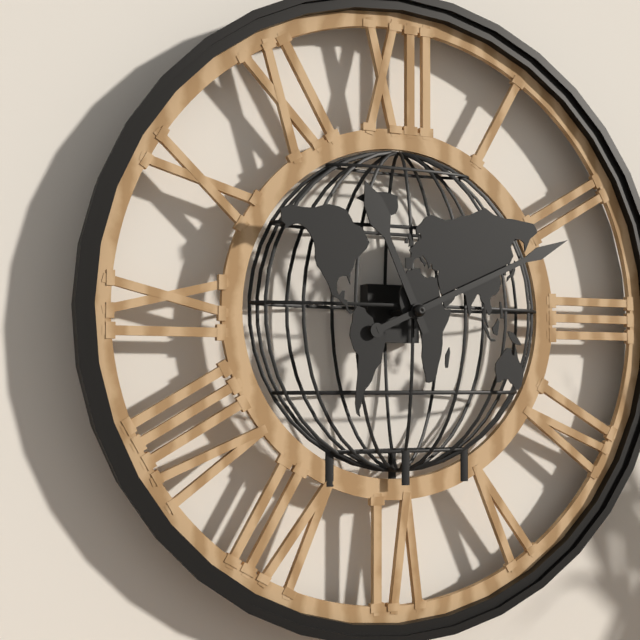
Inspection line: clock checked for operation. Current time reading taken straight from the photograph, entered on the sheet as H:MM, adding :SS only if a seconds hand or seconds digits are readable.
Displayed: 11:11
